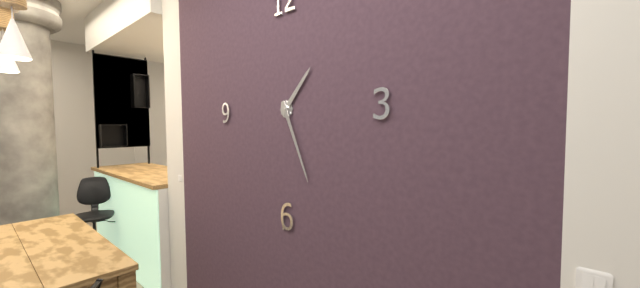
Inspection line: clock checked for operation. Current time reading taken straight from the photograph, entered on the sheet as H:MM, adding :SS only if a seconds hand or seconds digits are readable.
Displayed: 1:26
